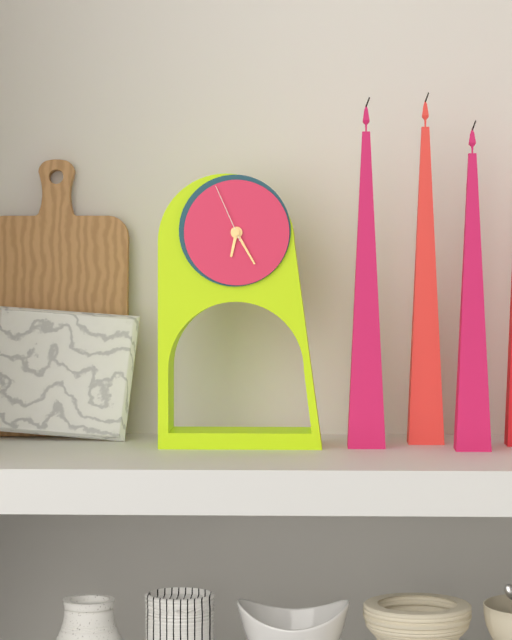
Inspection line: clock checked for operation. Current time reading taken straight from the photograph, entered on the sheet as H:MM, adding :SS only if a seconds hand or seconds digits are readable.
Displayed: 6:25:56
